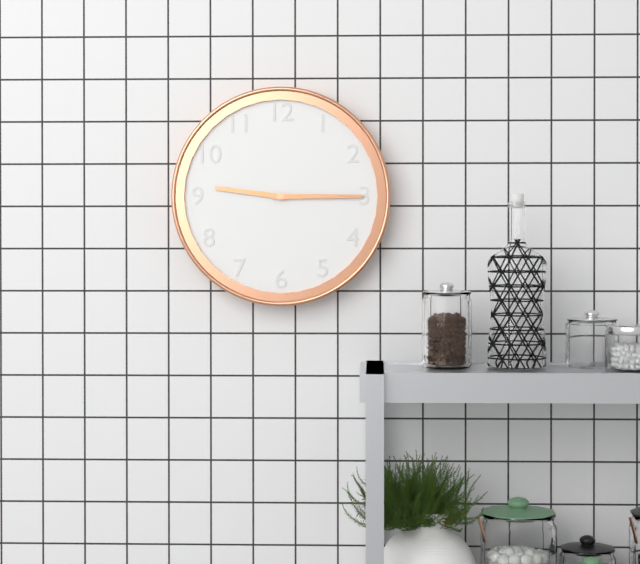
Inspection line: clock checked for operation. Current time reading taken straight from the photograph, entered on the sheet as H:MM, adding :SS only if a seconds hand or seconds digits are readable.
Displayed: 9:15
